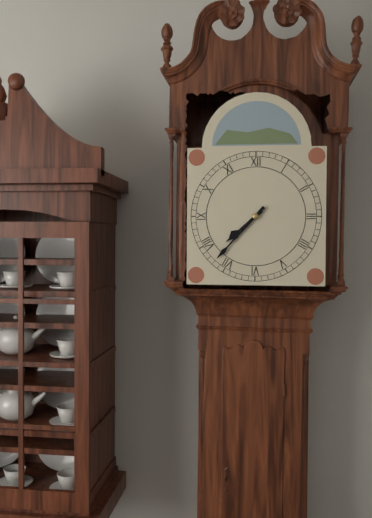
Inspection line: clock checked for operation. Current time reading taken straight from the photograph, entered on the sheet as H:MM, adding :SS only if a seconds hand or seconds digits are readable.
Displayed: 7:37
